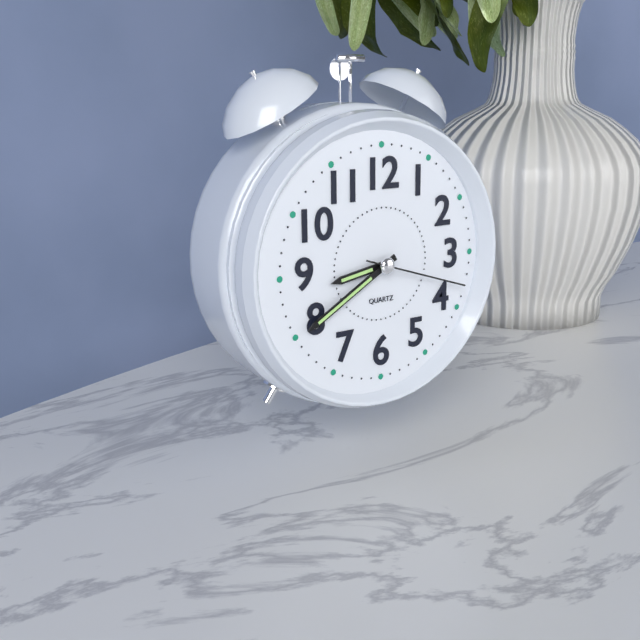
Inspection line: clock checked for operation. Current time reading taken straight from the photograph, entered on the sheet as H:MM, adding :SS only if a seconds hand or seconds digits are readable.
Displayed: 8:40:18
